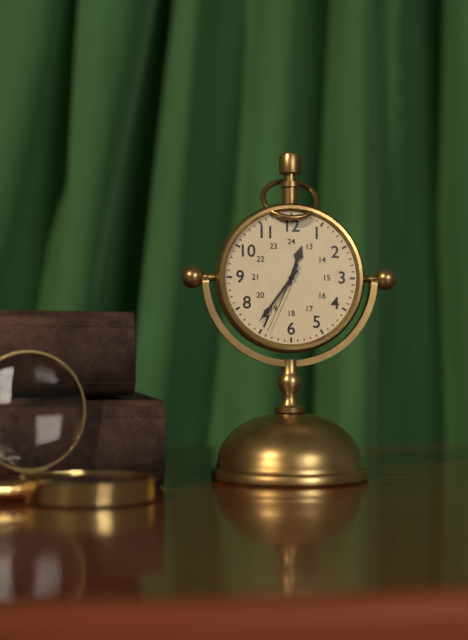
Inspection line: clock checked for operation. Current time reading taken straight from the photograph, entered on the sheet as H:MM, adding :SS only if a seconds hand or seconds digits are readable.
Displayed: 12:36:34
